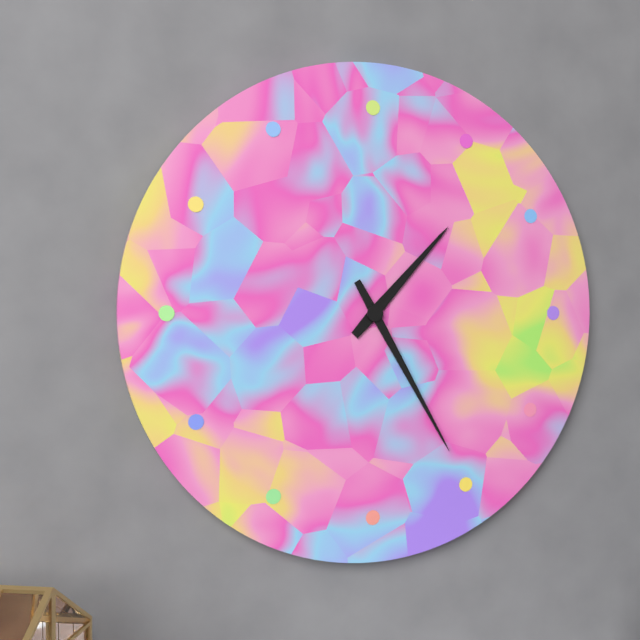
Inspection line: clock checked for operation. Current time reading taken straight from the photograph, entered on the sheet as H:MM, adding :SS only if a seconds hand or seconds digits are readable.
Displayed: 1:25
